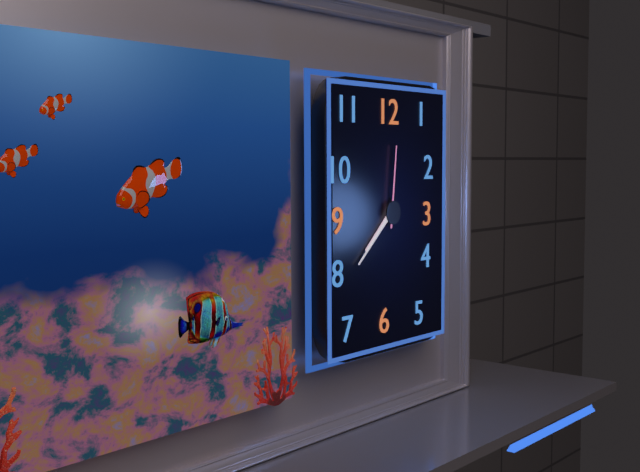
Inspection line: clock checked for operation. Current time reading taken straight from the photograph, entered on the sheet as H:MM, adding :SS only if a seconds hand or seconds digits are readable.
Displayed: 7:38:01
